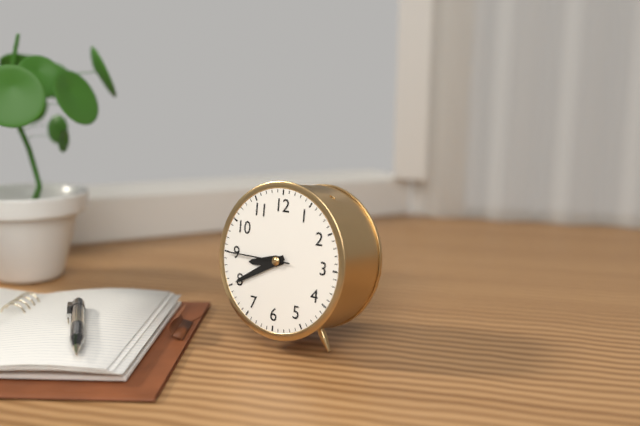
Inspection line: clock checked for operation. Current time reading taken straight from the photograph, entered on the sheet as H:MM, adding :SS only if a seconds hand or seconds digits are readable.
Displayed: 8:40:45
